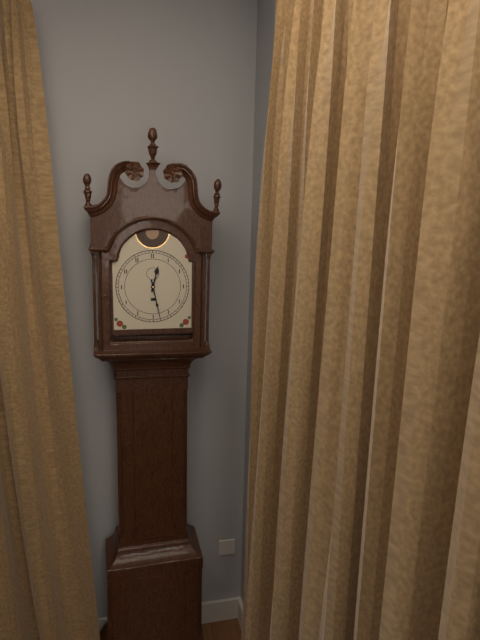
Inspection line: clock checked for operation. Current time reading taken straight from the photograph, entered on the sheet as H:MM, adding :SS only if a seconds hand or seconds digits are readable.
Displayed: 12:28
